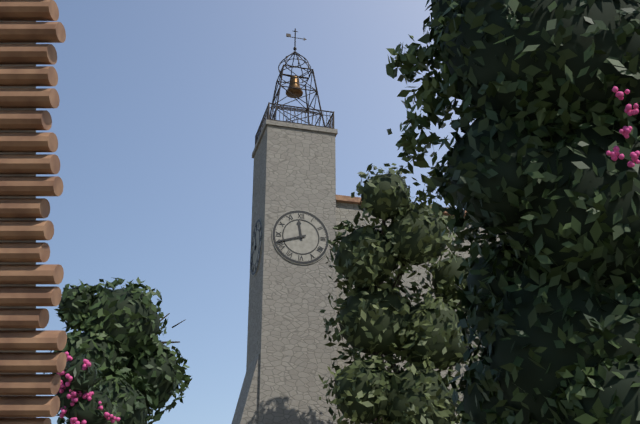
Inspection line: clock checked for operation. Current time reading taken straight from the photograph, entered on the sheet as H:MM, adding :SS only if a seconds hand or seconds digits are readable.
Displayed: 11:42
